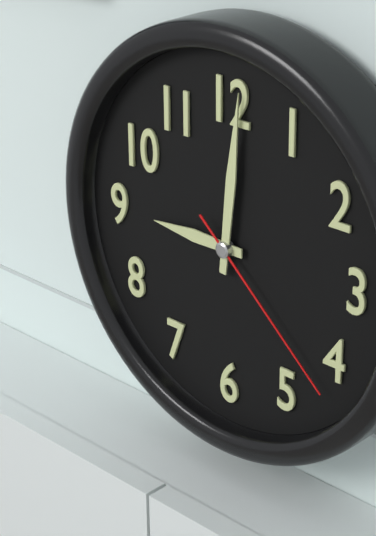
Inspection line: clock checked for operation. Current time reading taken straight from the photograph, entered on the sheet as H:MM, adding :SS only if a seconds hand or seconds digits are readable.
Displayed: 9:01:22
